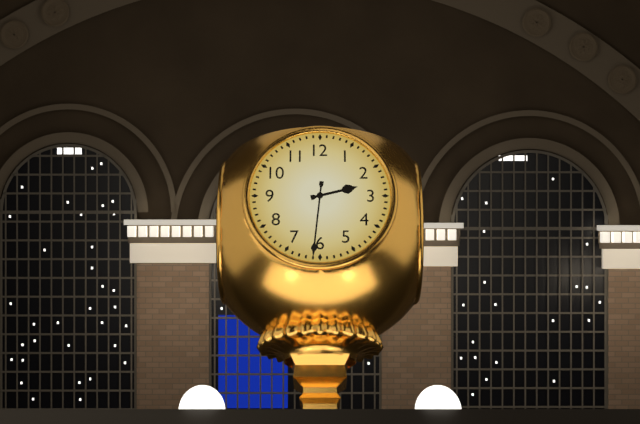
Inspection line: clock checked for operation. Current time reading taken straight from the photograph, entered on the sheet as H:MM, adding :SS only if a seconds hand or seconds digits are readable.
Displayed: 2:31
